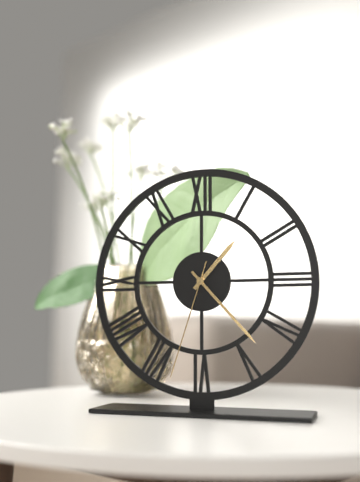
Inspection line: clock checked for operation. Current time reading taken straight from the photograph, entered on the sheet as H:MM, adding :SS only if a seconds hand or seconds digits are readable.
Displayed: 1:23:33
